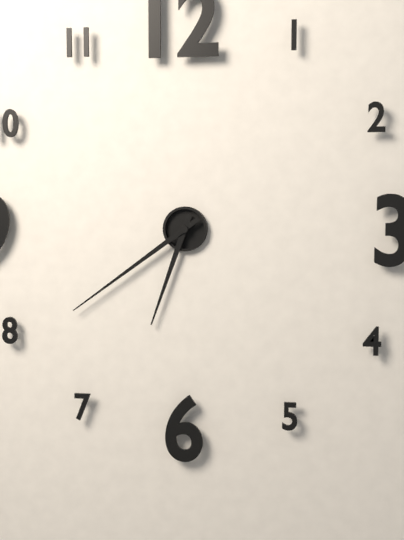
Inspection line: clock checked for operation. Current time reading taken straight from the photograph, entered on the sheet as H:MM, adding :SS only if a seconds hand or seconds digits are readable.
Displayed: 6:39
